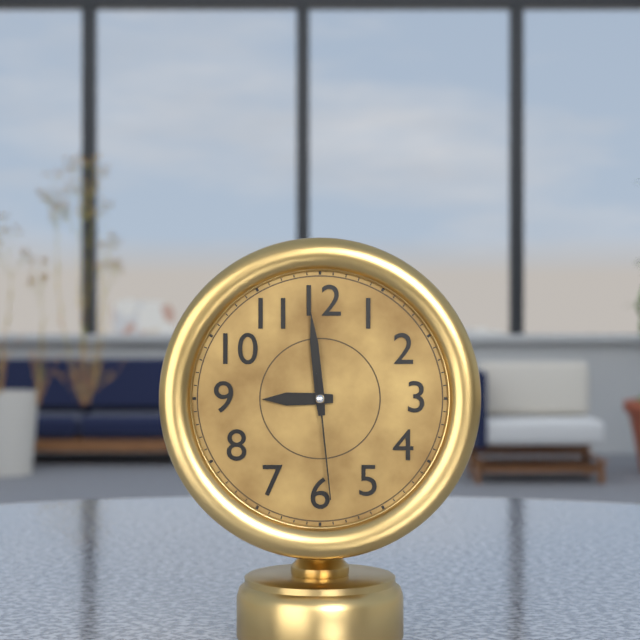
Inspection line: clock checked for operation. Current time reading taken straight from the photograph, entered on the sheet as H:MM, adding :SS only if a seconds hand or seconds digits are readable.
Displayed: 8:59:29
